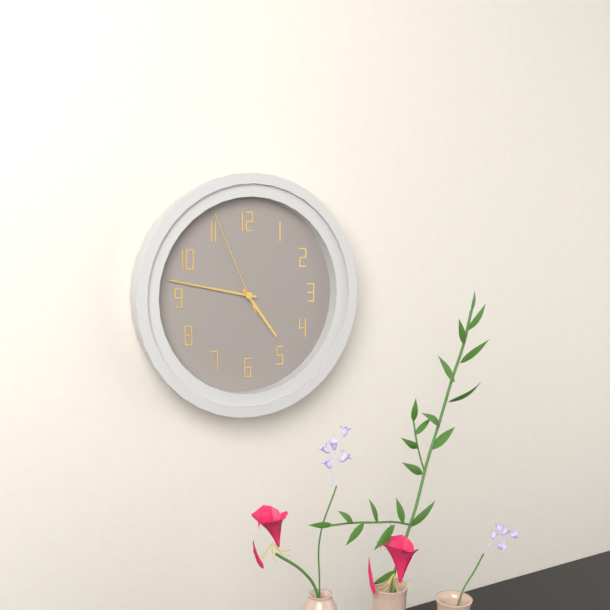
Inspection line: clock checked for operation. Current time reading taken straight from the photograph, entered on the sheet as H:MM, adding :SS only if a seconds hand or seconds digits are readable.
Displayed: 4:47:56
